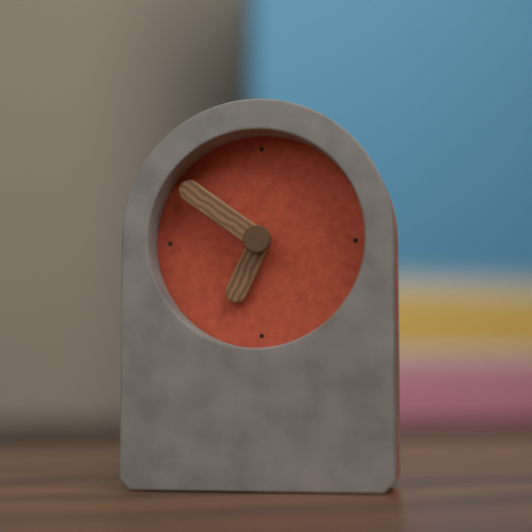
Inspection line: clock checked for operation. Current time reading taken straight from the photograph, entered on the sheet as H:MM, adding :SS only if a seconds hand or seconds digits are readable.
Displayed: 6:51
